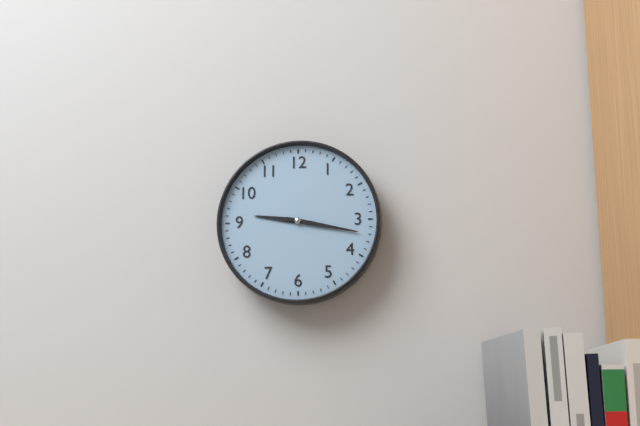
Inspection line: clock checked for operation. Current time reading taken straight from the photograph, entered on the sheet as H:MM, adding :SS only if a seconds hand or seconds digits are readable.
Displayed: 9:17
